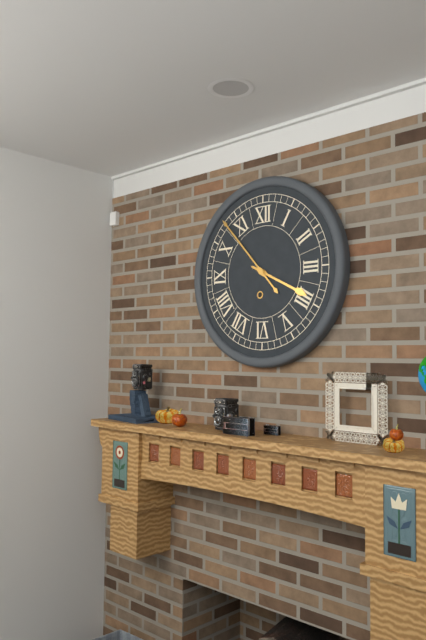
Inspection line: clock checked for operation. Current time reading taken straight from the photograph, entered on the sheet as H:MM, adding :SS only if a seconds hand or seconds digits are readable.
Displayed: 3:53
